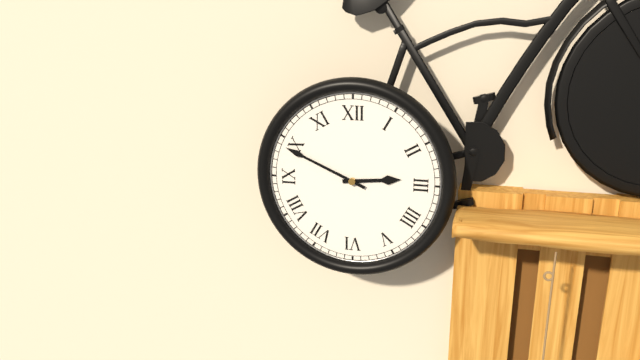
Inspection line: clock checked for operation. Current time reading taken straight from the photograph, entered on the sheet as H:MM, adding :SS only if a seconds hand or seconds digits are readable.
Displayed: 2:49
